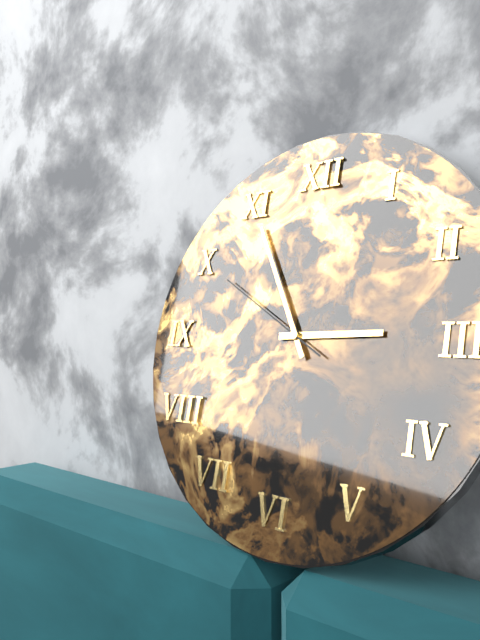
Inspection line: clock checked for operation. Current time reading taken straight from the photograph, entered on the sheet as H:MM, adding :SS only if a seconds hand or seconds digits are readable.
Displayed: 2:55:50
